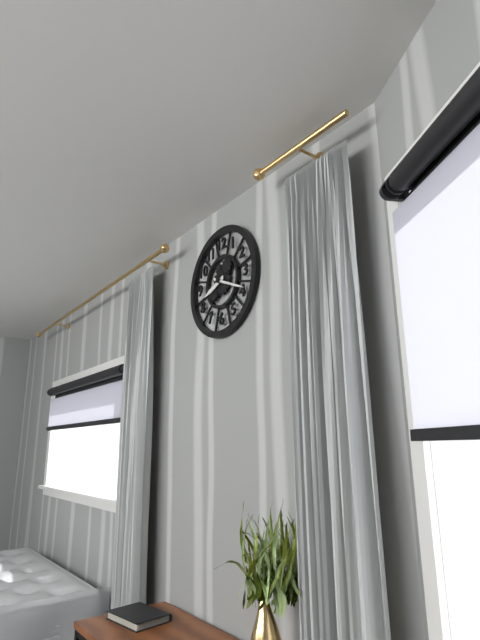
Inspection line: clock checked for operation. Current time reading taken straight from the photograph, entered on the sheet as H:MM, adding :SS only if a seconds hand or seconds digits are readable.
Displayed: 8:19
